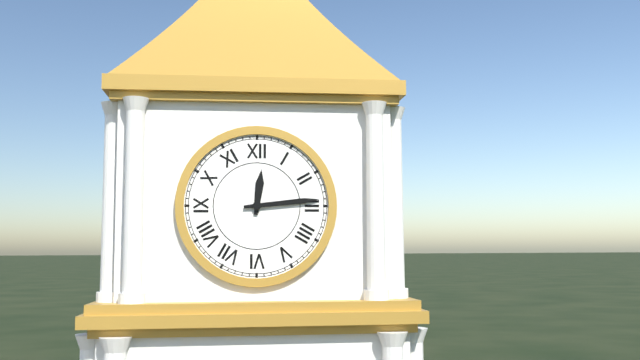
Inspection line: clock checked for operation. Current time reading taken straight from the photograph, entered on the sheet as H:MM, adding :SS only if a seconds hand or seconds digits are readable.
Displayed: 12:14
